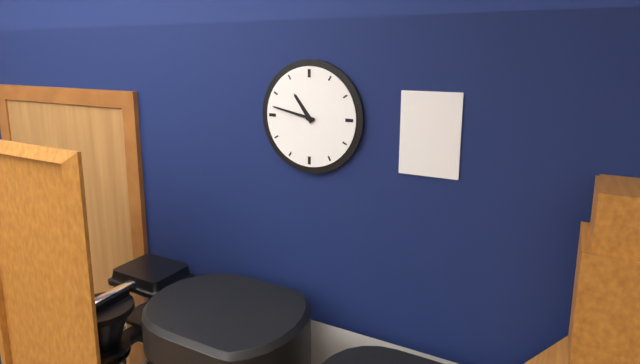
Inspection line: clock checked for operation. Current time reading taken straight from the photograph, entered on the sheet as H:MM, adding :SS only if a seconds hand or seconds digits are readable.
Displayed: 10:47
